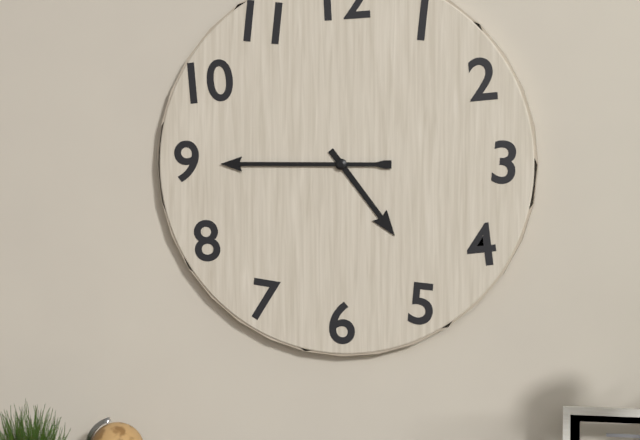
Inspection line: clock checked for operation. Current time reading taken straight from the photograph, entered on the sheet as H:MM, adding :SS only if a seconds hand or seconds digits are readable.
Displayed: 4:45
